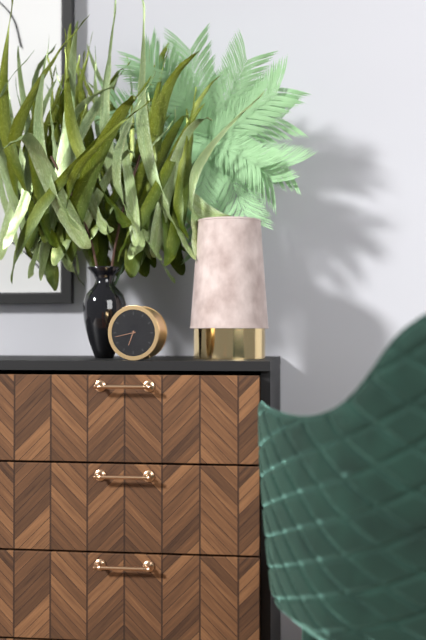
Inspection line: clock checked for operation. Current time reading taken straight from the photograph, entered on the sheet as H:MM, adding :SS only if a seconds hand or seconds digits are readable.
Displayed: 6:43
